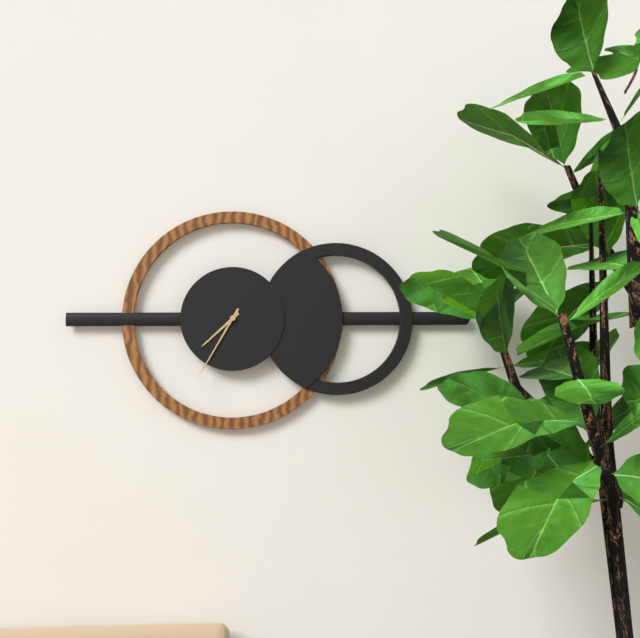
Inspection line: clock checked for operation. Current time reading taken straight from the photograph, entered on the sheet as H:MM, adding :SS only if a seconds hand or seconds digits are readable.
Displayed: 7:35
